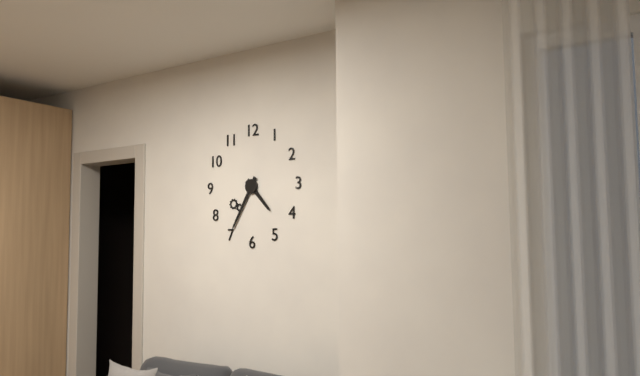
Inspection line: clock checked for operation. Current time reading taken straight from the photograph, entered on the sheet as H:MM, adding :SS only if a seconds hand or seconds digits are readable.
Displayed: 4:35
